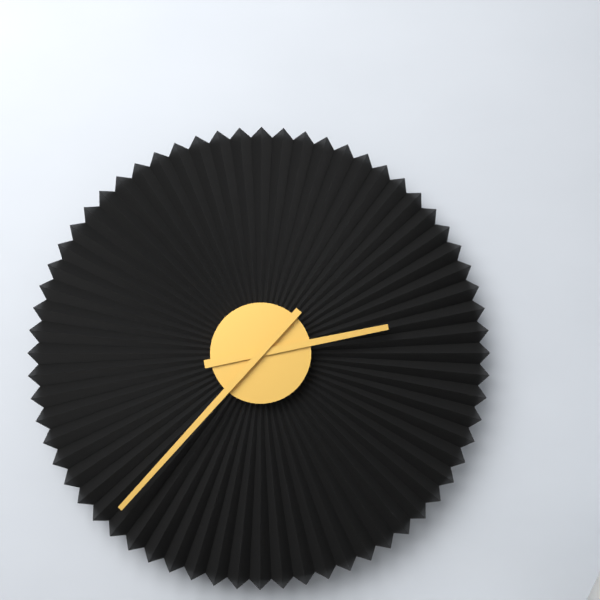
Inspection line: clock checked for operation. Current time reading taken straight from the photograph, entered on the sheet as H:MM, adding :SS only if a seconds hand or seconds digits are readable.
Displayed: 2:37
